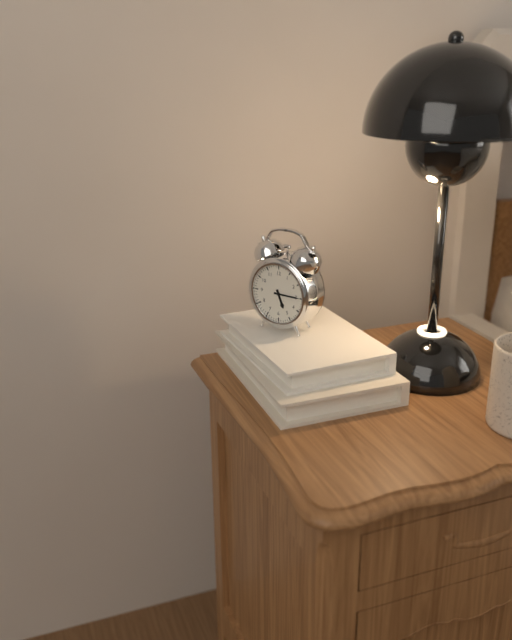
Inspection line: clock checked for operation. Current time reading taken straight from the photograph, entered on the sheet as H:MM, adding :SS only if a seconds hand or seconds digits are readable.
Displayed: 5:15
